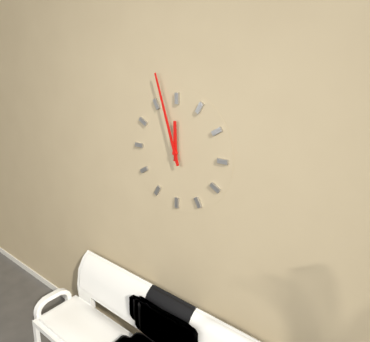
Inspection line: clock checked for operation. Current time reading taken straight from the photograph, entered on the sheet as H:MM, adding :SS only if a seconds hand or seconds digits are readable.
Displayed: 11:57
